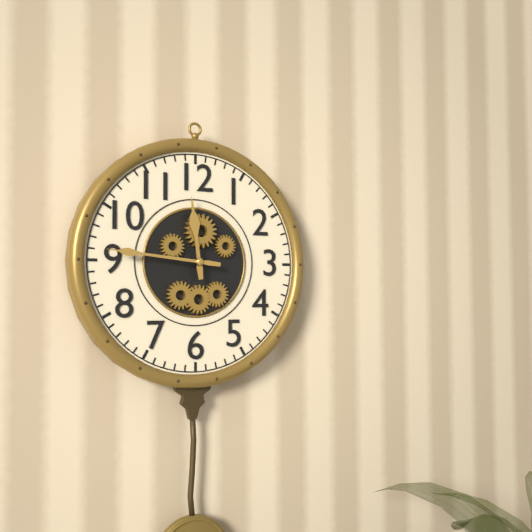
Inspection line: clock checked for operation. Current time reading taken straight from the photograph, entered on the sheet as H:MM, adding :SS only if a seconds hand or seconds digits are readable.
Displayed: 11:46
